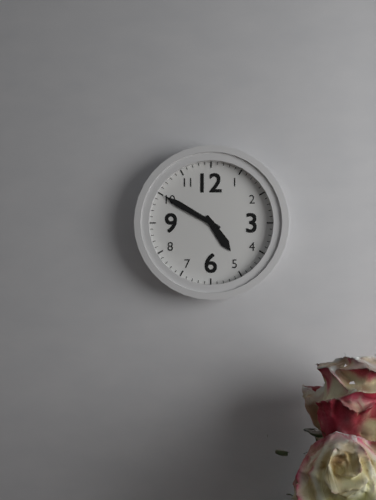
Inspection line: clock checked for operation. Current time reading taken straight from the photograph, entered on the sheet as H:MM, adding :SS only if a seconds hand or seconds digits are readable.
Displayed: 4:50
